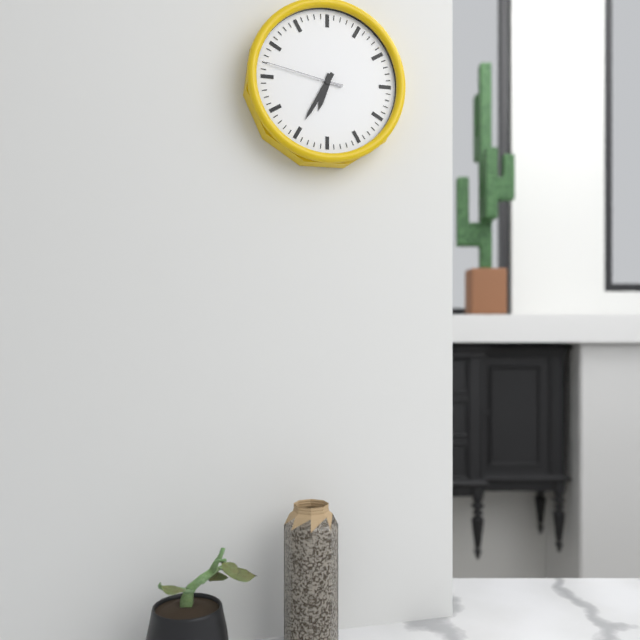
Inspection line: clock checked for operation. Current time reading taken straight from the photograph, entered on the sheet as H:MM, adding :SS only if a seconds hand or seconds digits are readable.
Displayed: 6:35:47
